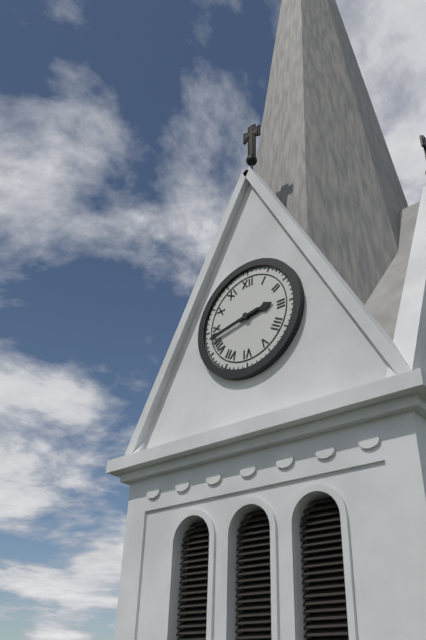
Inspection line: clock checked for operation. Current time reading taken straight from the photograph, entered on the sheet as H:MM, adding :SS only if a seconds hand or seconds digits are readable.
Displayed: 2:43
